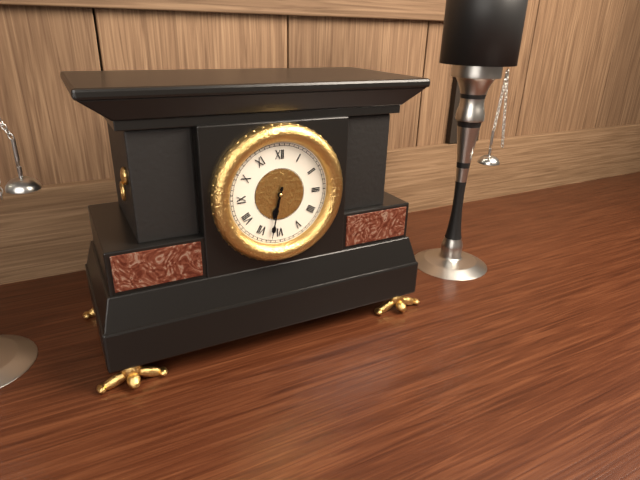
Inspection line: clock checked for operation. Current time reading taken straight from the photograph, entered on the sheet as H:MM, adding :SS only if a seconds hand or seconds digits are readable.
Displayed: 6:32
